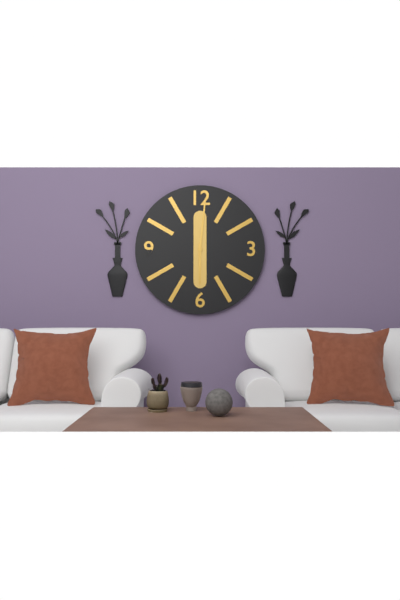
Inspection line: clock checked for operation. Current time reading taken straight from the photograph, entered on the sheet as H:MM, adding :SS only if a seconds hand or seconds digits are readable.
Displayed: 6:01
